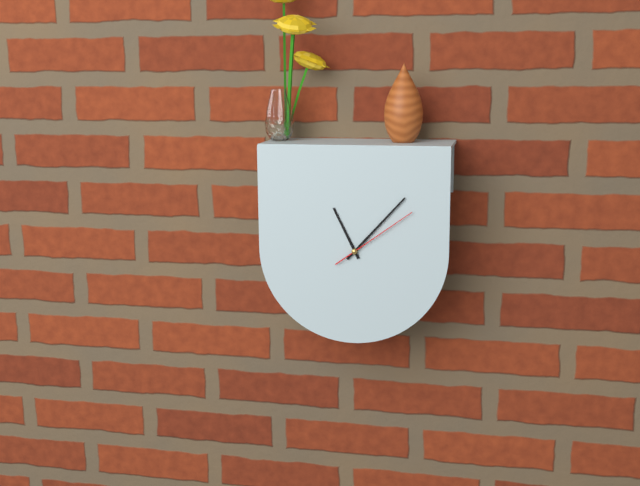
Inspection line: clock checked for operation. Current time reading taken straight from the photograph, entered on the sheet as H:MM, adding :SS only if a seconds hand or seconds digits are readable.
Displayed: 11:07:09
